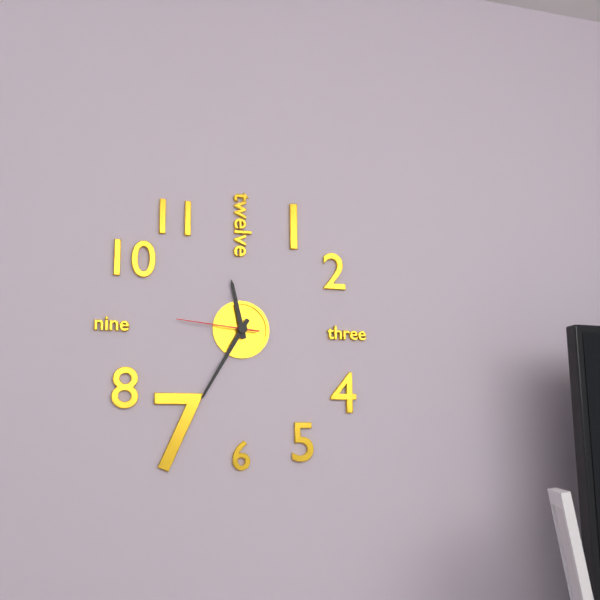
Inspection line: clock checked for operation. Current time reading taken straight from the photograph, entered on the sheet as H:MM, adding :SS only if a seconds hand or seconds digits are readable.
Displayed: 11:35:46
